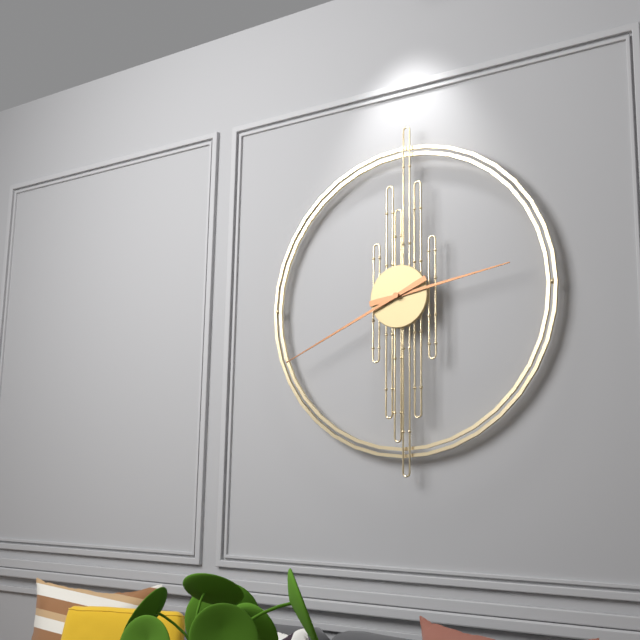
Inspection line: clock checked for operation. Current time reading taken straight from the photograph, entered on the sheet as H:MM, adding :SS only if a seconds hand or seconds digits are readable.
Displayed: 2:41
